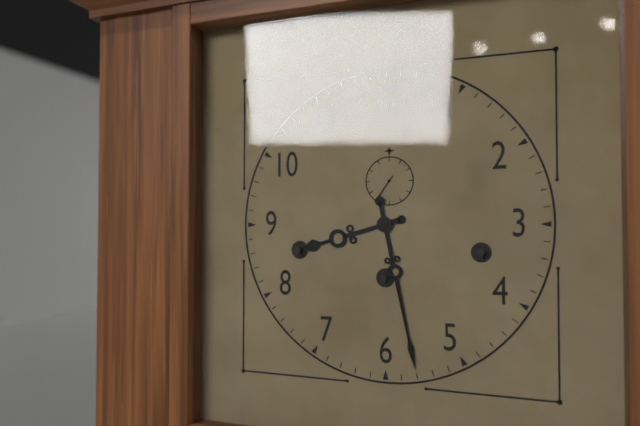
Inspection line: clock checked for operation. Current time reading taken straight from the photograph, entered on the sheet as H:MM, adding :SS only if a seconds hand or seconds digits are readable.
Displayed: 8:28
